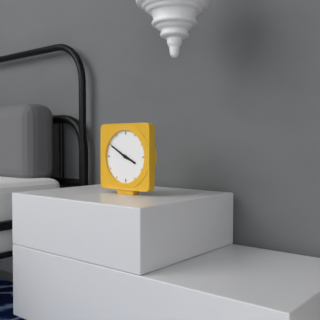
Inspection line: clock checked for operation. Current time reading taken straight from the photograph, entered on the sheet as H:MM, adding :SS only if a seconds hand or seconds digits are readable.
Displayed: 3:50
